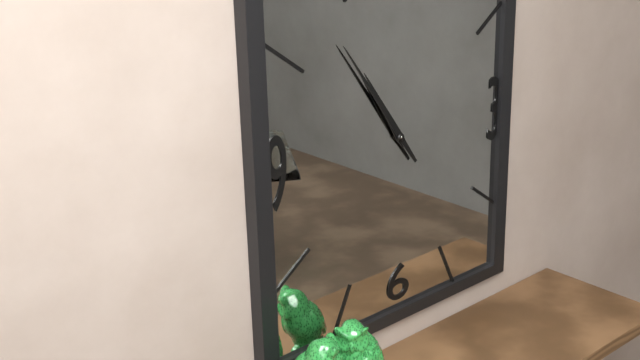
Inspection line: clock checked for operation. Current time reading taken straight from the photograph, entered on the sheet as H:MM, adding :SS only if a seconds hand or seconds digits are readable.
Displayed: 10:54
